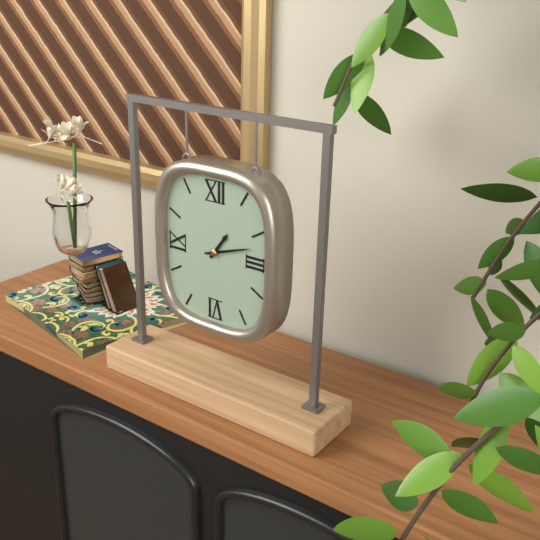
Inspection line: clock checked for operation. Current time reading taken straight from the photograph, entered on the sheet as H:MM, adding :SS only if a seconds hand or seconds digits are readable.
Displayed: 1:12
